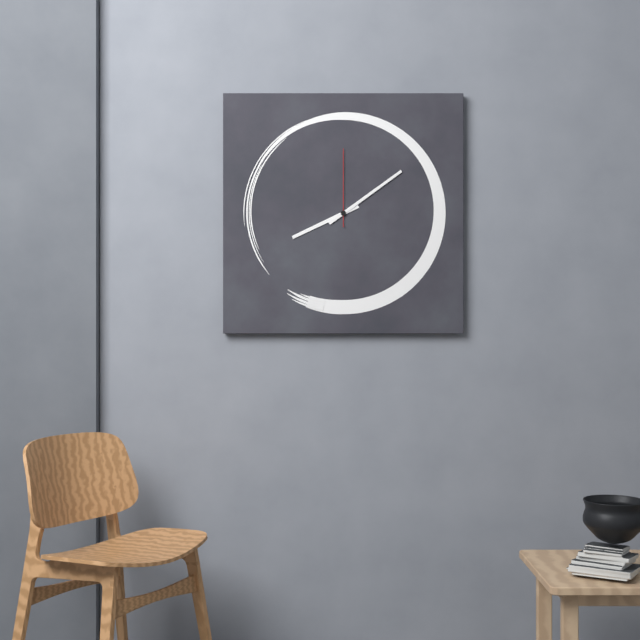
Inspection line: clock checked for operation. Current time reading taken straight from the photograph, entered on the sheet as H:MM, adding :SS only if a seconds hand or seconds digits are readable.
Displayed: 8:09:00
